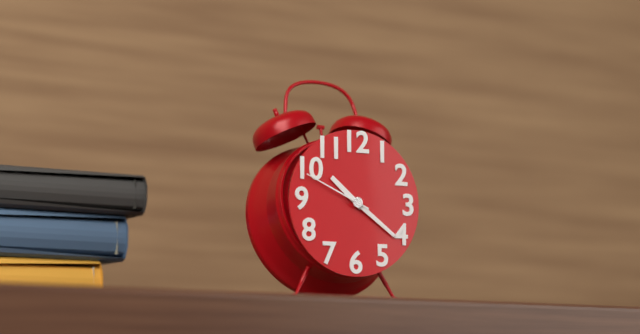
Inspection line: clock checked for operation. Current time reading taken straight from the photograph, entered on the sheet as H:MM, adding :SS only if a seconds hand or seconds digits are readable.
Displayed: 10:21:49
